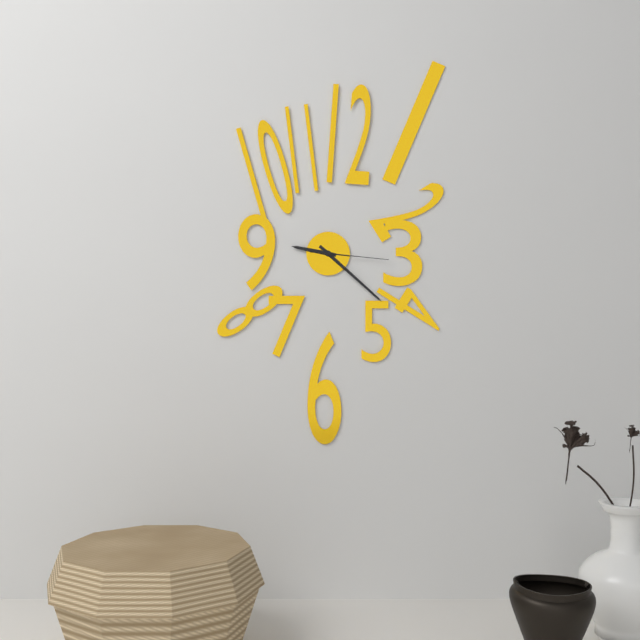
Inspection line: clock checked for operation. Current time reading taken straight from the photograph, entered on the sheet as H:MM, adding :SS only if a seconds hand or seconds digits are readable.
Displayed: 9:22:16
